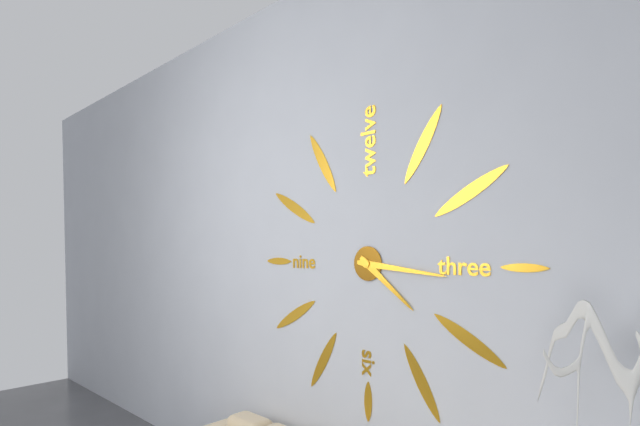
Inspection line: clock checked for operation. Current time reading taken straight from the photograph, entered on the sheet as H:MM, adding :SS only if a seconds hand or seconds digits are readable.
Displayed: 4:16
